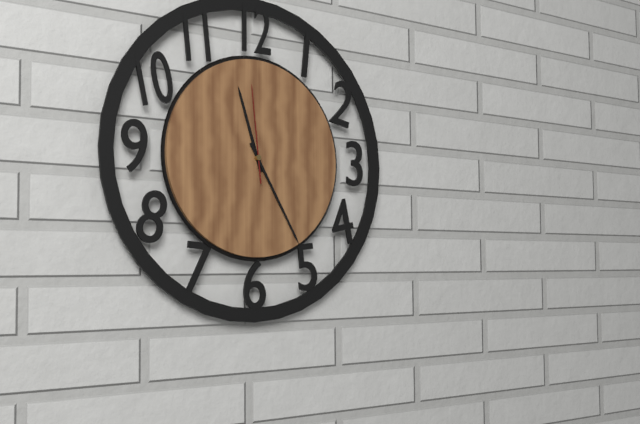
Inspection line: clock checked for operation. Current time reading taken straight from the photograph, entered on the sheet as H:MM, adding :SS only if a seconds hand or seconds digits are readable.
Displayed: 11:25:59
